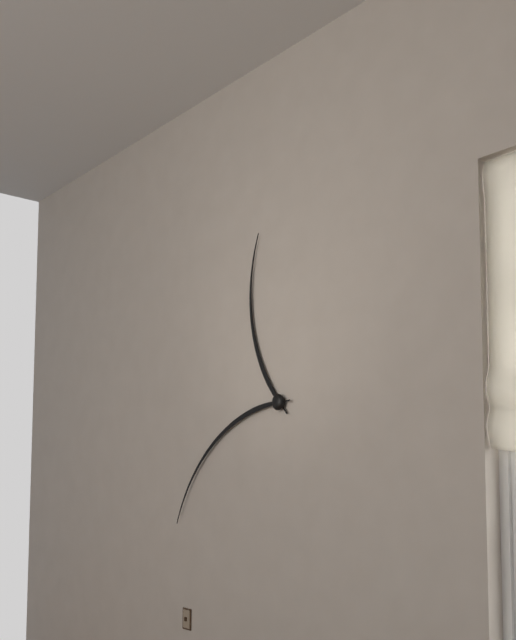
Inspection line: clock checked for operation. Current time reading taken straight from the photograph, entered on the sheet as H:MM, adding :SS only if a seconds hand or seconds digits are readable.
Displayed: 11:39
